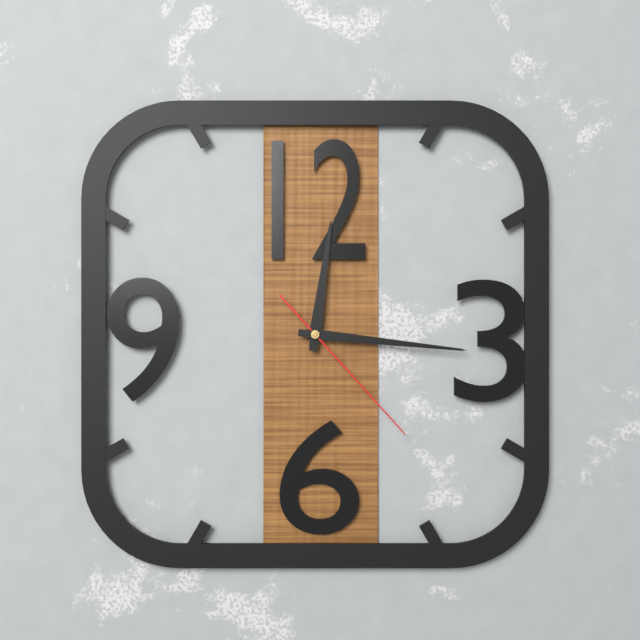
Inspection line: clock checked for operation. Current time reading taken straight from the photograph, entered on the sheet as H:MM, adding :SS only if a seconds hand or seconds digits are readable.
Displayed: 12:16:23
